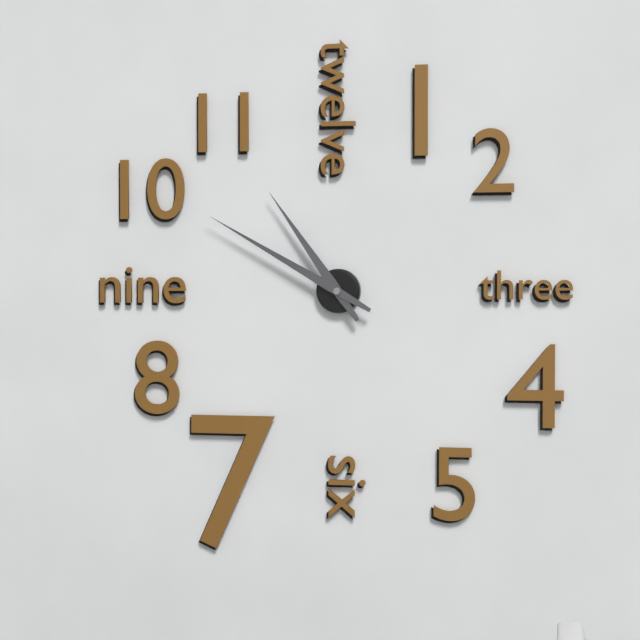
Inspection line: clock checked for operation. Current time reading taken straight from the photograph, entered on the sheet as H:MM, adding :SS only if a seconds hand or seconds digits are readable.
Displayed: 10:50
